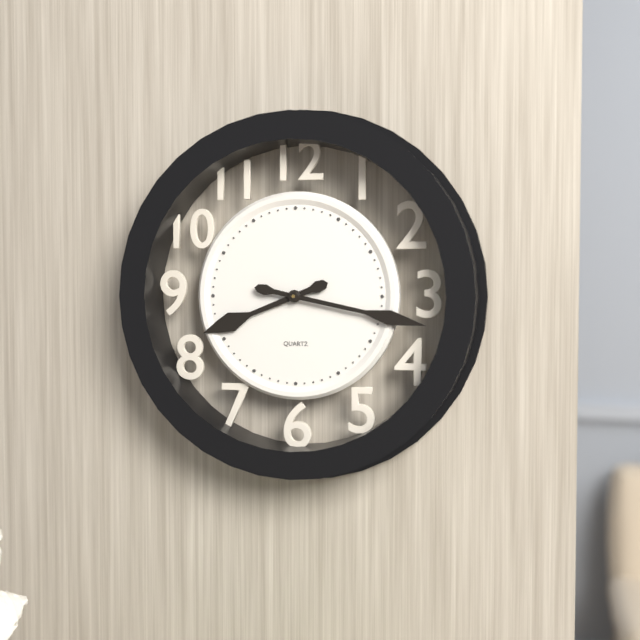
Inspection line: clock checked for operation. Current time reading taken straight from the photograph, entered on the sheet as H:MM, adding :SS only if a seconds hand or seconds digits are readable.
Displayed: 8:17
